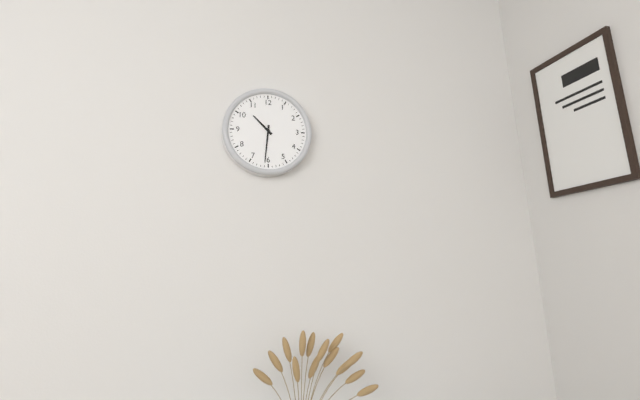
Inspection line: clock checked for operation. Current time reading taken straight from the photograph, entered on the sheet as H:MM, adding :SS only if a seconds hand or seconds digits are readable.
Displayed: 10:31
